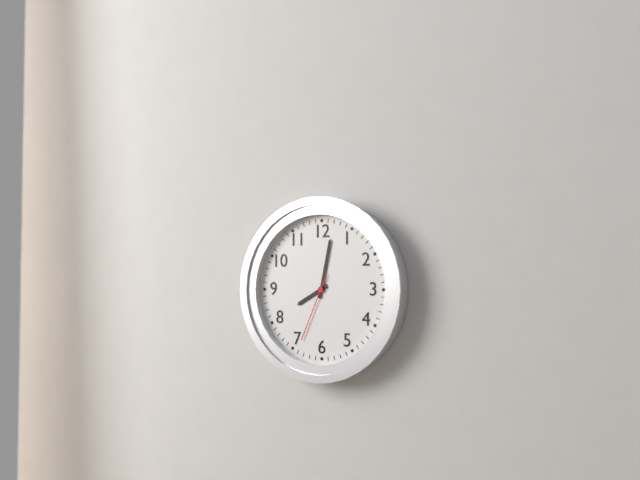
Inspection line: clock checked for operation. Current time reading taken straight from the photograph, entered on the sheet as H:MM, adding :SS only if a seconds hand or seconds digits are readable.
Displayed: 8:02:34
